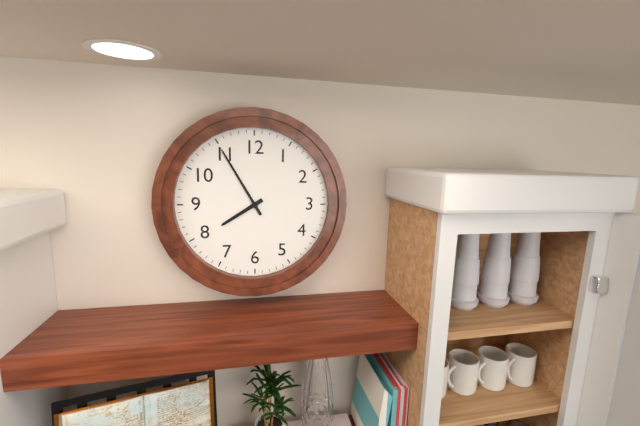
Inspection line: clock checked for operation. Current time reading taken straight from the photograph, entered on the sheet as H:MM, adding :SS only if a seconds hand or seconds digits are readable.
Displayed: 7:55
